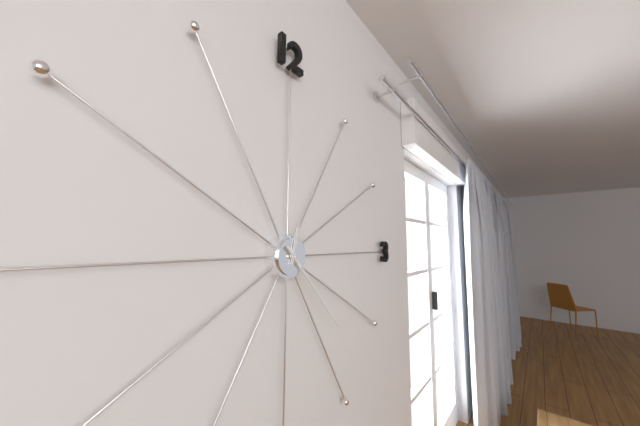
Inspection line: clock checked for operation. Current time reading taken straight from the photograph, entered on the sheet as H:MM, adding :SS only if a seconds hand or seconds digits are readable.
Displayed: 12:23
